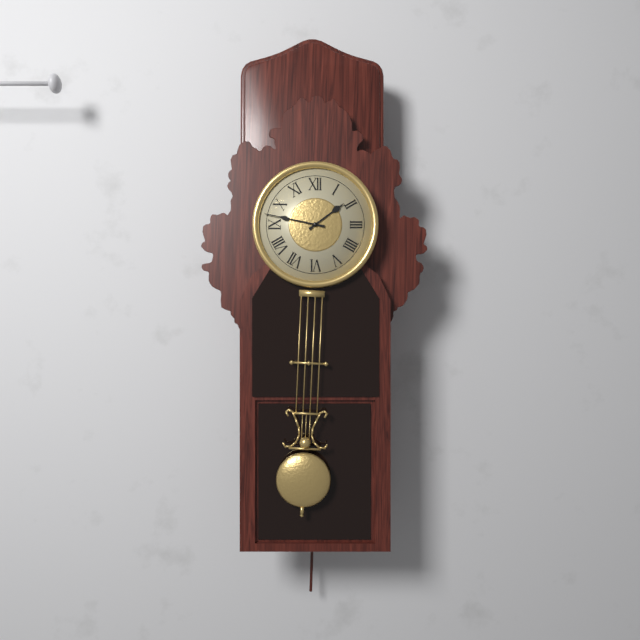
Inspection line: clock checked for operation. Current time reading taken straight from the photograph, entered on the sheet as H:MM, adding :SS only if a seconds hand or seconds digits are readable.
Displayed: 1:47
